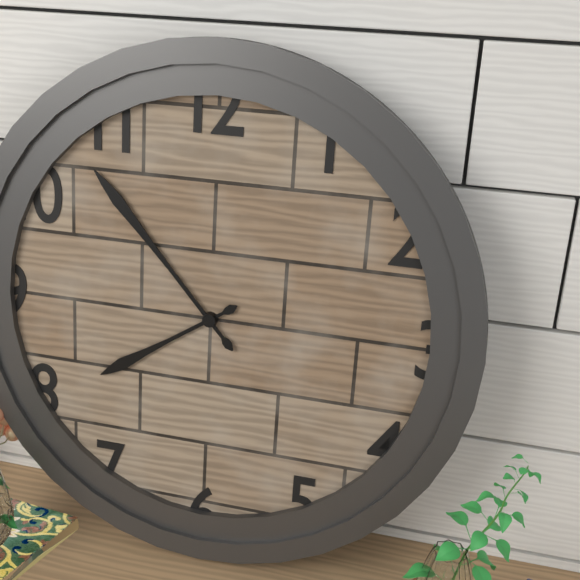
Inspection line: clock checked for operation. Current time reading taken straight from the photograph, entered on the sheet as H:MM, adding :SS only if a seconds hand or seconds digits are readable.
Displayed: 7:53
